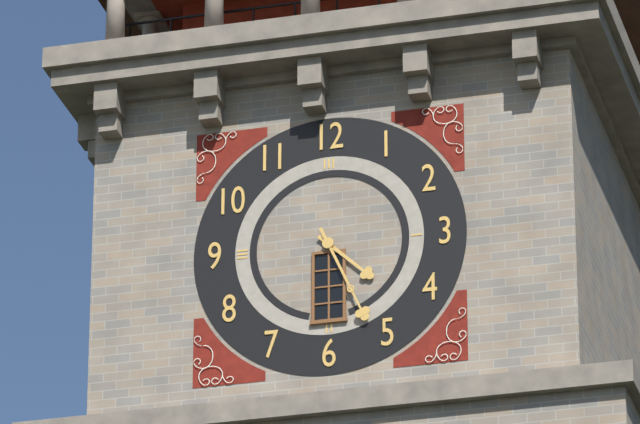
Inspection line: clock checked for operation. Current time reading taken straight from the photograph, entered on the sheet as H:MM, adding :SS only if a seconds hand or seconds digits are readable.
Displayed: 4:26
